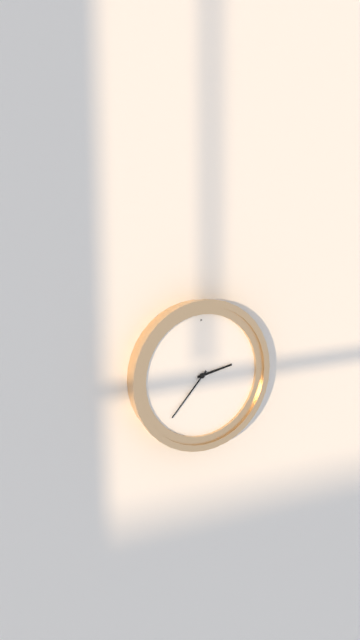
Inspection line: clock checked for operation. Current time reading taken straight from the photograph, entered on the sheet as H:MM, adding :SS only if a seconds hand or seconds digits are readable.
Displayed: 2:37
